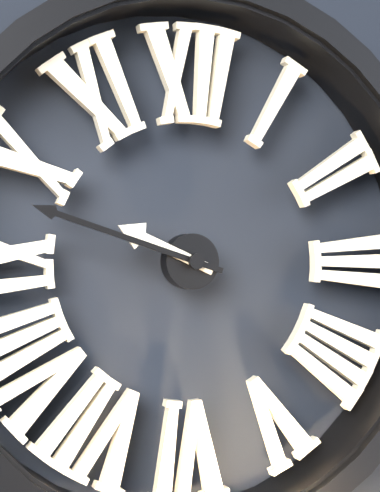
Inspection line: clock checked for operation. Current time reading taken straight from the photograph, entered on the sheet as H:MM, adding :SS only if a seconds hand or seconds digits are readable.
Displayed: 9:48
